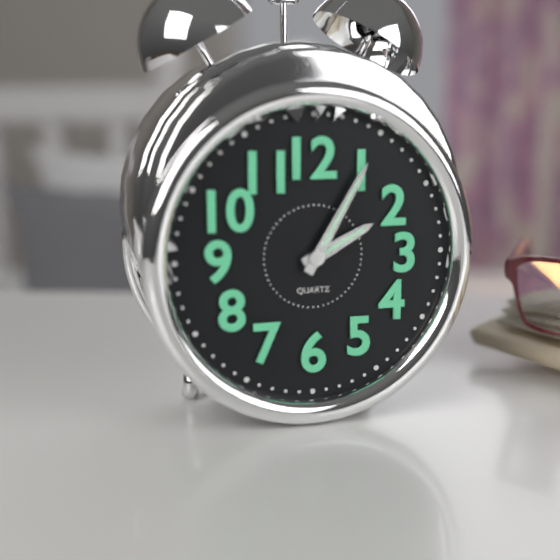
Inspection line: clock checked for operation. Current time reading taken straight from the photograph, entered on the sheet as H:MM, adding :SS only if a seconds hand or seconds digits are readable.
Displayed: 2:05
